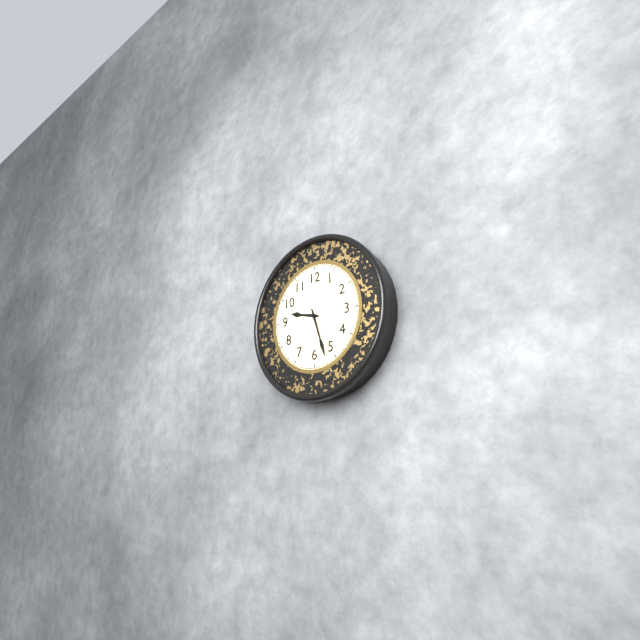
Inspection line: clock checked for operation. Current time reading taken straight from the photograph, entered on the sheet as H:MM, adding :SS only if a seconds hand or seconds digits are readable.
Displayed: 9:27
